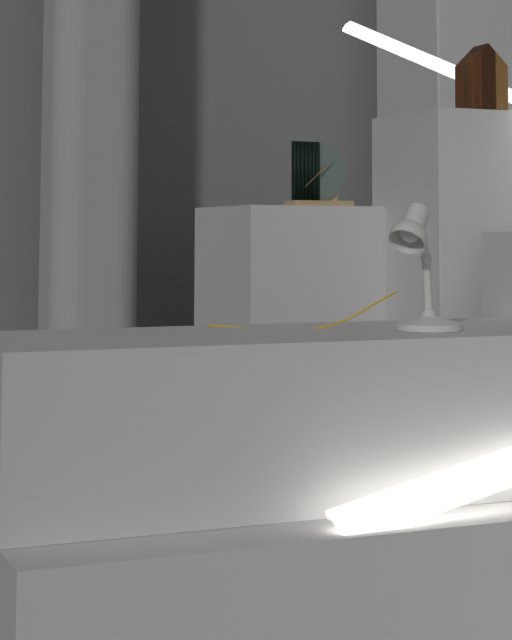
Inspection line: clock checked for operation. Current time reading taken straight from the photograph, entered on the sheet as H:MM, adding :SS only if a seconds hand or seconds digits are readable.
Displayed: 1:38
